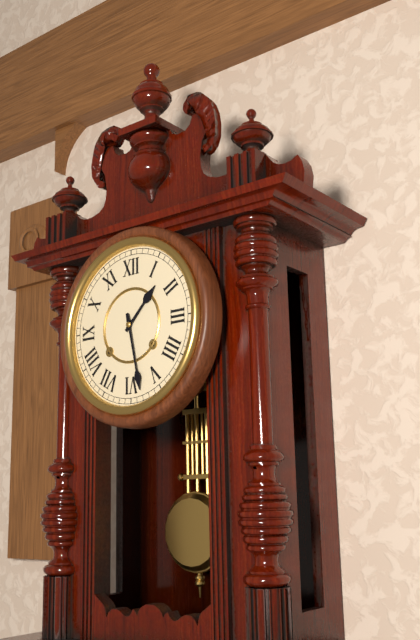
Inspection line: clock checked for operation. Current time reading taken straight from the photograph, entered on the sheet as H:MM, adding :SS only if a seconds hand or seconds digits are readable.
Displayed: 1:28
